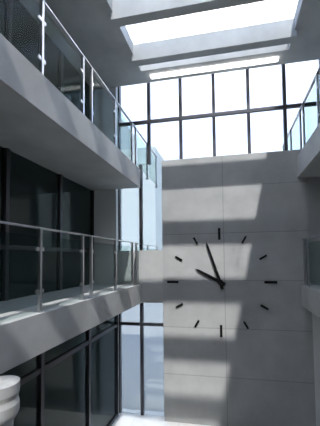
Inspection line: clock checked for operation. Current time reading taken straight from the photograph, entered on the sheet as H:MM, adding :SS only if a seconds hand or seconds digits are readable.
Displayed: 9:57
